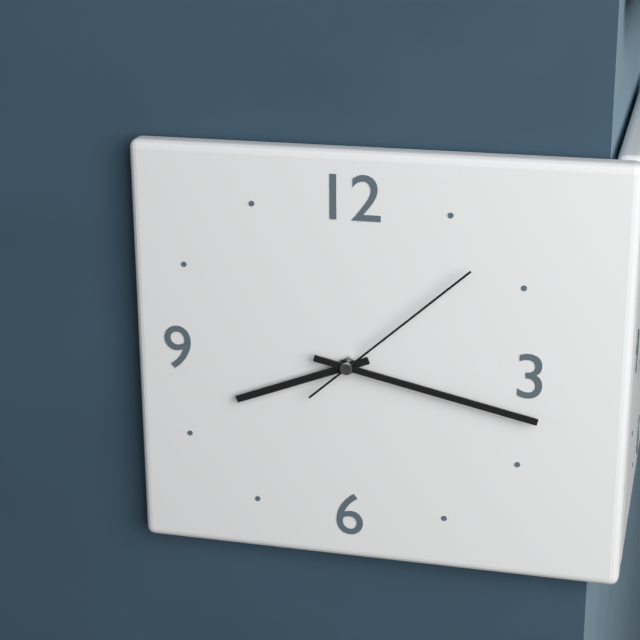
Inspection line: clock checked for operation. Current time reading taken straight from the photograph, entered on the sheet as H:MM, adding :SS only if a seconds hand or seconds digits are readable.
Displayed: 8:17:08
